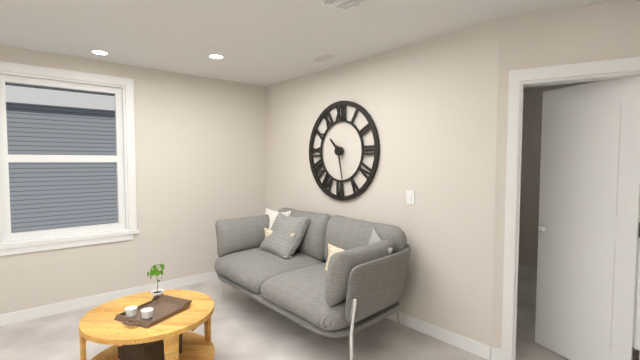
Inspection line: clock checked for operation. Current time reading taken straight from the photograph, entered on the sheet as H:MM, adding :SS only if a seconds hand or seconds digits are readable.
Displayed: 10:28
